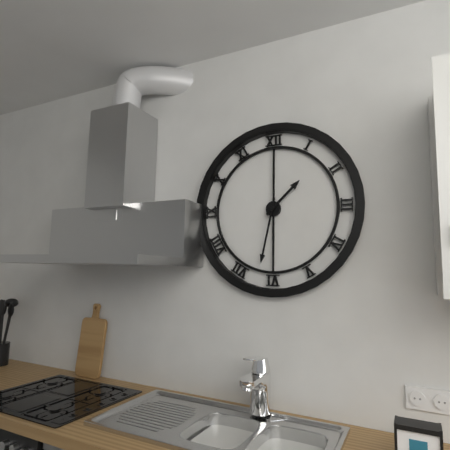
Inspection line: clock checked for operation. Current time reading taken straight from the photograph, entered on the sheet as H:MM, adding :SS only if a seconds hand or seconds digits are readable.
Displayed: 1:32
